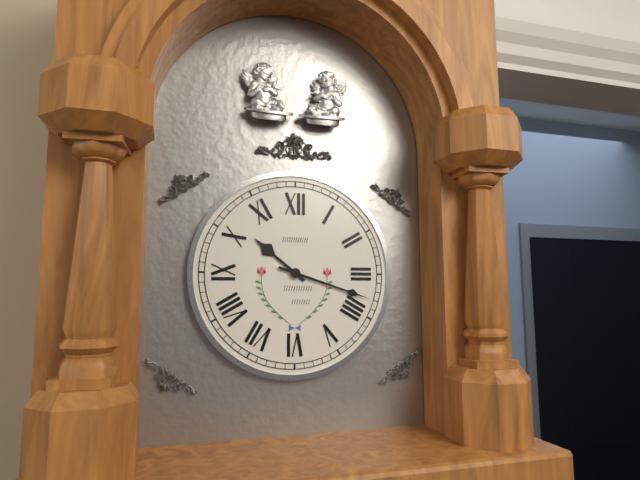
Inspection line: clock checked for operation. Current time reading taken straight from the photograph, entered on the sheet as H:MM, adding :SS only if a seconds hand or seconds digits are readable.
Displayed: 10:18
